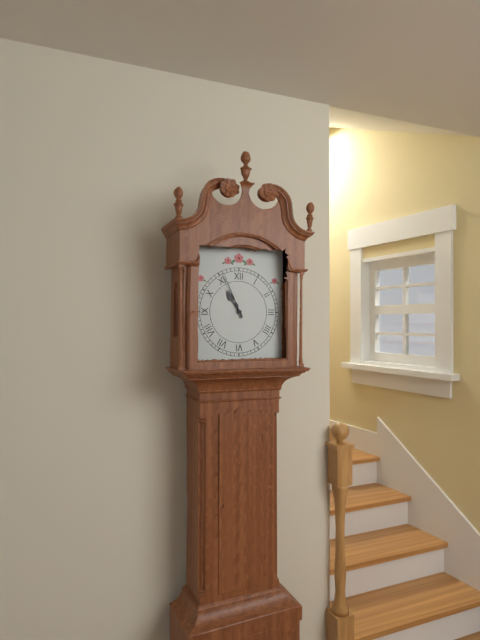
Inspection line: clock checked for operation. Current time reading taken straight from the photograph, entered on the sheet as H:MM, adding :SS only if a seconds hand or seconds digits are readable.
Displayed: 10:56
